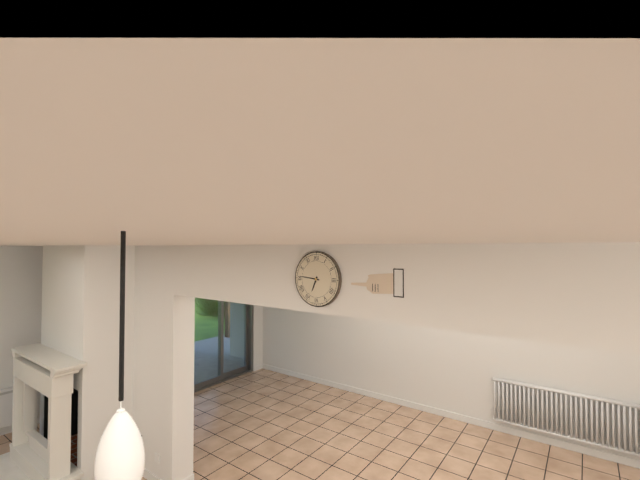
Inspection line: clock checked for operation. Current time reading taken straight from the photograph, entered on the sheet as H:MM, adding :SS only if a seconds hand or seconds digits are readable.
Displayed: 6:46
